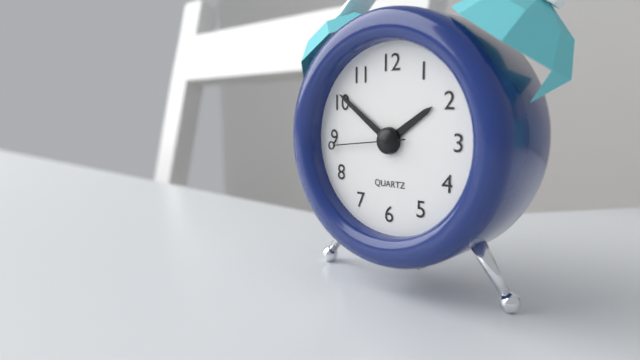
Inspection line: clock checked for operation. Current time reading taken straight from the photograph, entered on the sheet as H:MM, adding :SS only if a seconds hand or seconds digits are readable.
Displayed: 1:51:44
